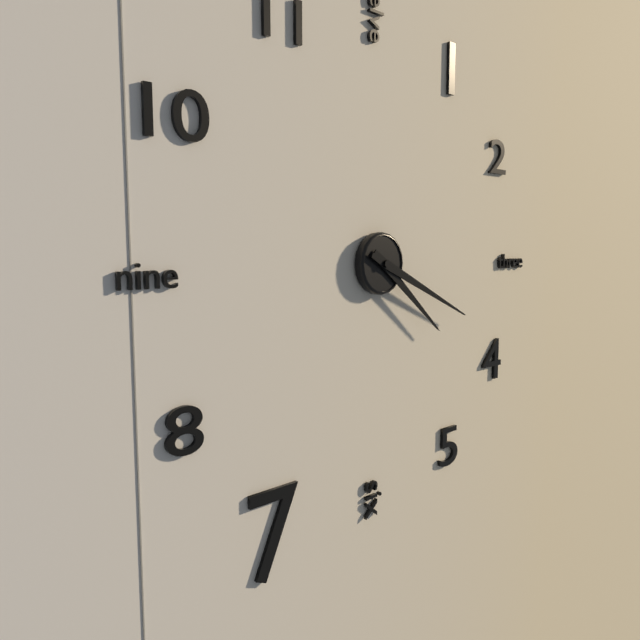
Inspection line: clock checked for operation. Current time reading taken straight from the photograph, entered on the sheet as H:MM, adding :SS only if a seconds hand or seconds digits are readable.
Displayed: 4:19
